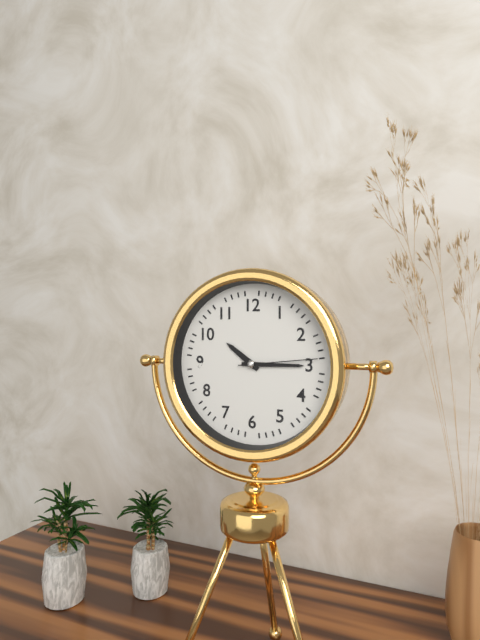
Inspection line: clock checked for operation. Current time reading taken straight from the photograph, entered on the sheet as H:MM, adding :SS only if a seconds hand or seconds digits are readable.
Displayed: 10:15:14
